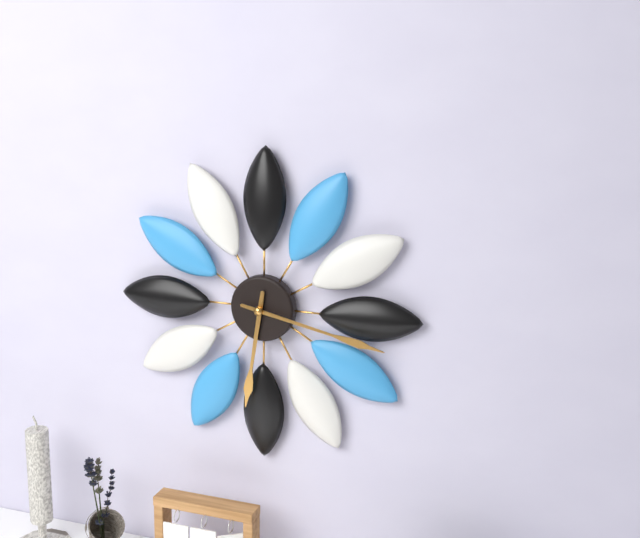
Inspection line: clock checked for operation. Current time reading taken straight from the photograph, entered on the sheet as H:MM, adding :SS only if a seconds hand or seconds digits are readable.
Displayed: 6:17
